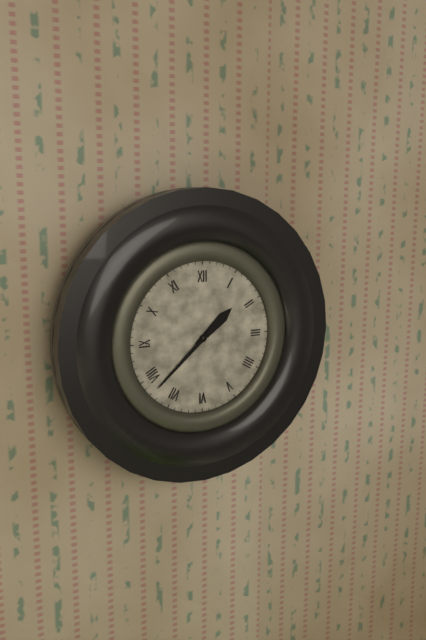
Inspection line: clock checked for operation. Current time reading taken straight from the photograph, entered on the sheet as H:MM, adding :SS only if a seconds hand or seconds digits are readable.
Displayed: 1:38
